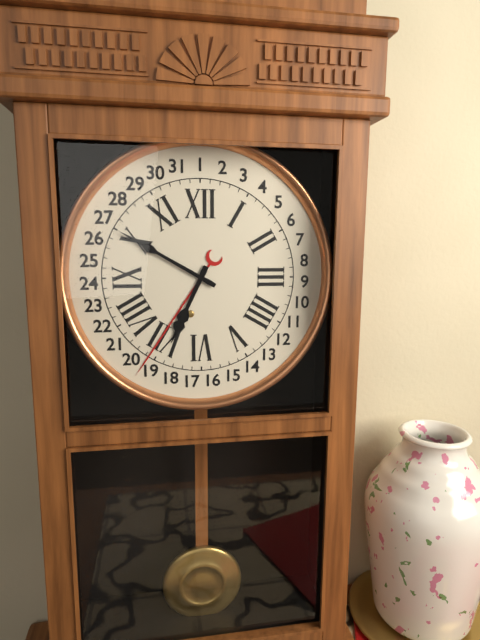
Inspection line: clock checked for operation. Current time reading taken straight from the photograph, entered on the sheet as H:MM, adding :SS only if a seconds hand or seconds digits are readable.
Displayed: 6:50
